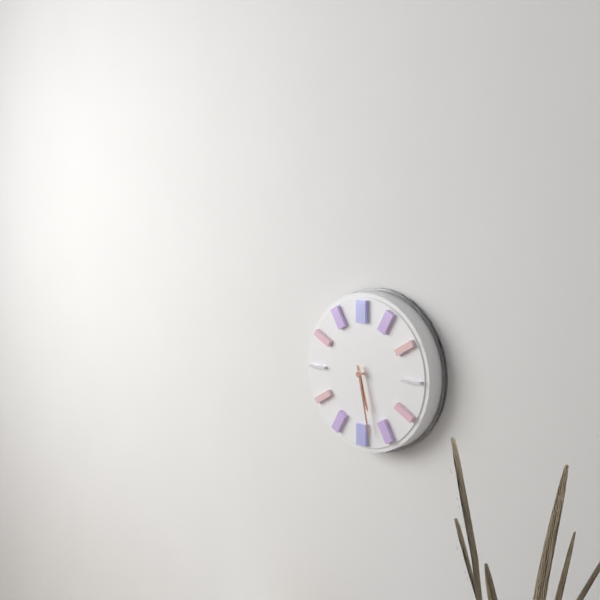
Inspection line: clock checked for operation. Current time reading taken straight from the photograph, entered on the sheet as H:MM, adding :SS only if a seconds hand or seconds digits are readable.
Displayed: 5:28
